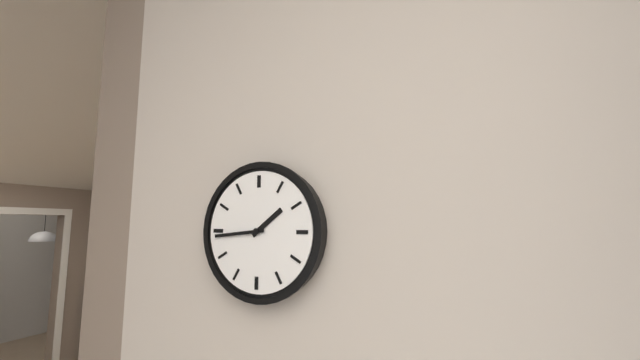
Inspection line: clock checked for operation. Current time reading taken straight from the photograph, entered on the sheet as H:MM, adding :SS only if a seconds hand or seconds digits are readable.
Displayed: 1:44
